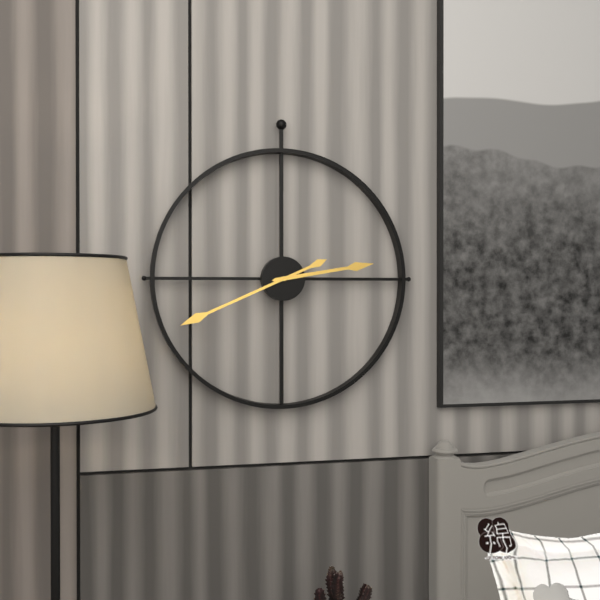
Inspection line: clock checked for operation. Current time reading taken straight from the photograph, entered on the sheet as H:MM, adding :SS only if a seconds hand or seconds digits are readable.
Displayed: 2:41
